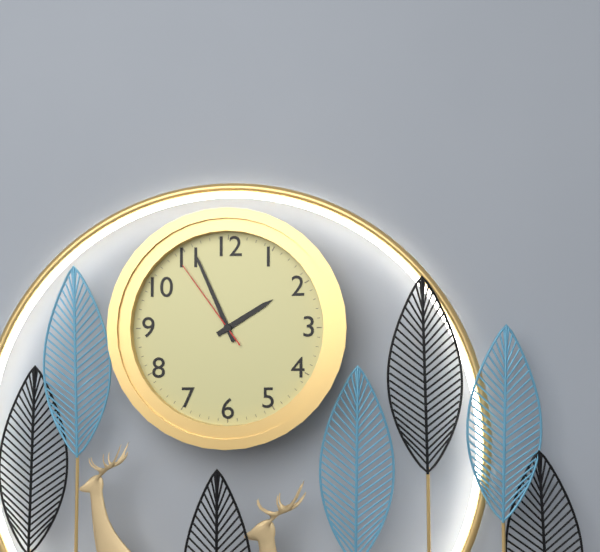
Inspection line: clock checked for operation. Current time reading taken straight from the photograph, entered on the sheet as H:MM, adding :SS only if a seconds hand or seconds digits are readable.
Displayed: 1:56:54
